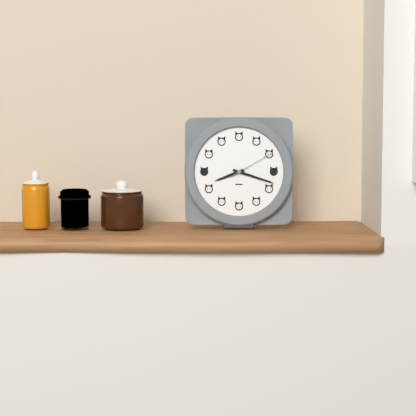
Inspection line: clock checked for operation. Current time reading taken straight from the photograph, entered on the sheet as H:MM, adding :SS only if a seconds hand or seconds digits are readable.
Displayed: 8:18
